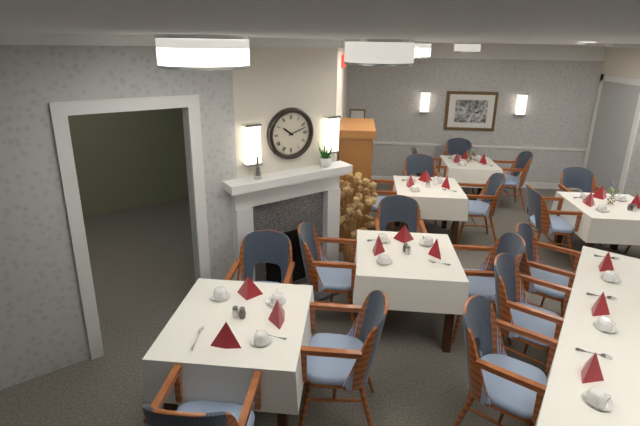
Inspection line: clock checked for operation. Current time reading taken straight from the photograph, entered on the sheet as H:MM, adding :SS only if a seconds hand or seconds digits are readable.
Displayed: 10:12
